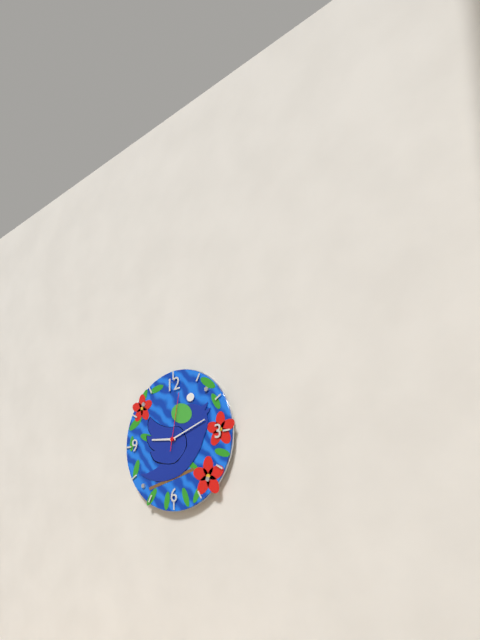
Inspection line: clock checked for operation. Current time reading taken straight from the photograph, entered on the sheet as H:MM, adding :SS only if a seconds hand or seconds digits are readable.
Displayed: 9:12:02
